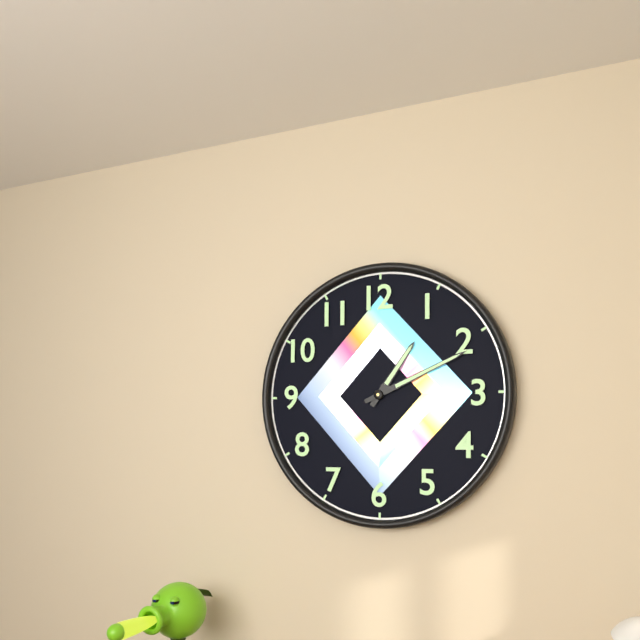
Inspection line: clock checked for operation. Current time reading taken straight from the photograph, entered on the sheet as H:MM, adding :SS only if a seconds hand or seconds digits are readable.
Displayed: 1:11
